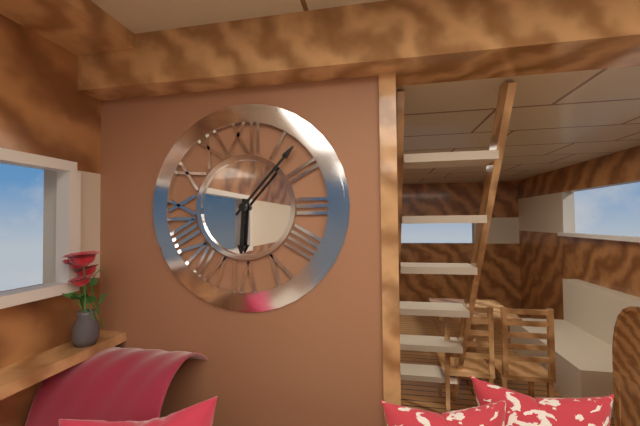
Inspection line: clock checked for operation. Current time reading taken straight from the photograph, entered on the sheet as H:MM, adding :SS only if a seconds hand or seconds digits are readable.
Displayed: 6:07
